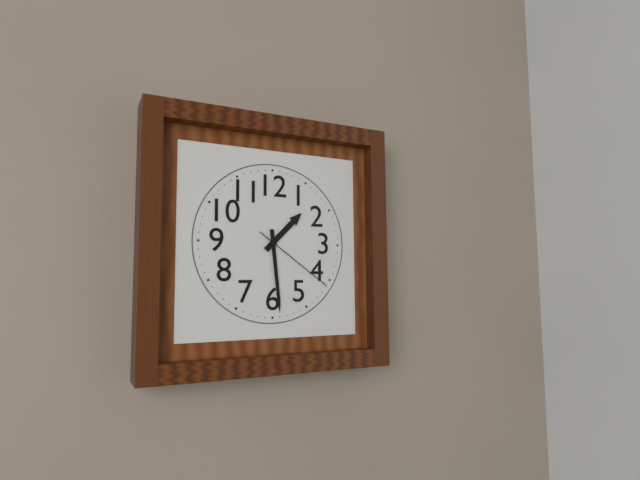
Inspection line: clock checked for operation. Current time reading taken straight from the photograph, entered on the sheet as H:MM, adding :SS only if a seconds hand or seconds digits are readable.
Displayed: 1:29:21
